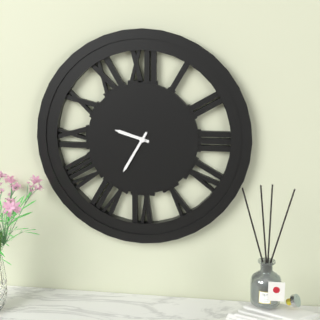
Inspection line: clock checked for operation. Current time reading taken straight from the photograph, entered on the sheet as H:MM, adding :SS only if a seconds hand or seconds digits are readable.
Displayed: 9:35
